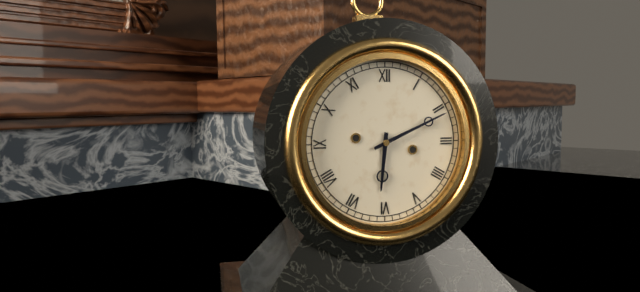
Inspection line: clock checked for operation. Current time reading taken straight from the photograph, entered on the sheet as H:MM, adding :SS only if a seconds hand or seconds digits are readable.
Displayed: 6:11
